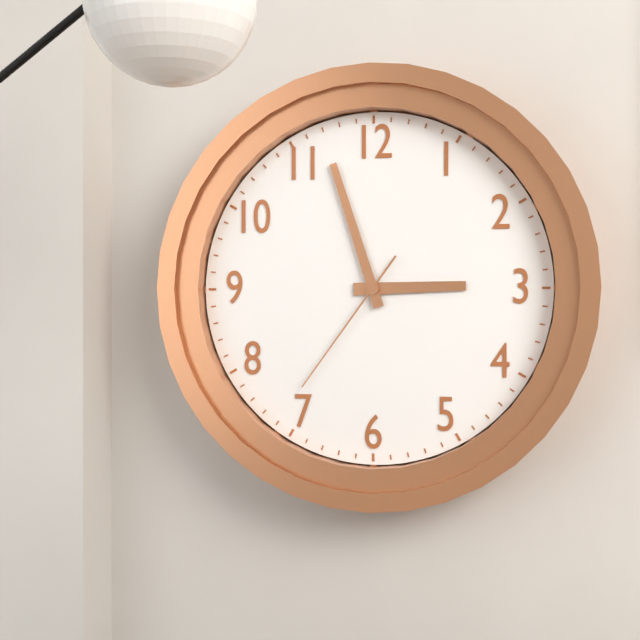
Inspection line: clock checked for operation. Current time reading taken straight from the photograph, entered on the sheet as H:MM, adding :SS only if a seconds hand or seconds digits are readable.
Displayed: 2:57:36
